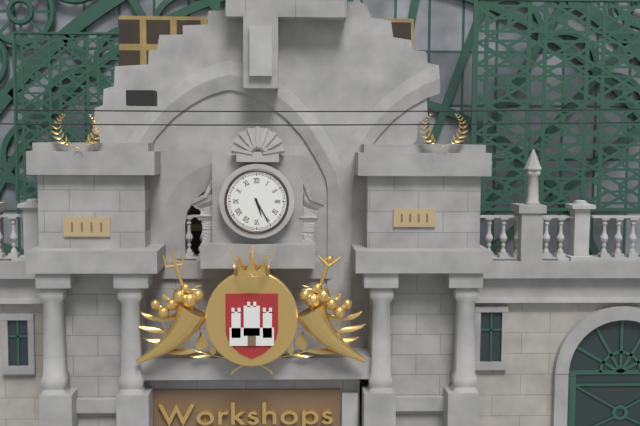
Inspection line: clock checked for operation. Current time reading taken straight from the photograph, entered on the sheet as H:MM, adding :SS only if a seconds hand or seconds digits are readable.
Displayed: 5:25
